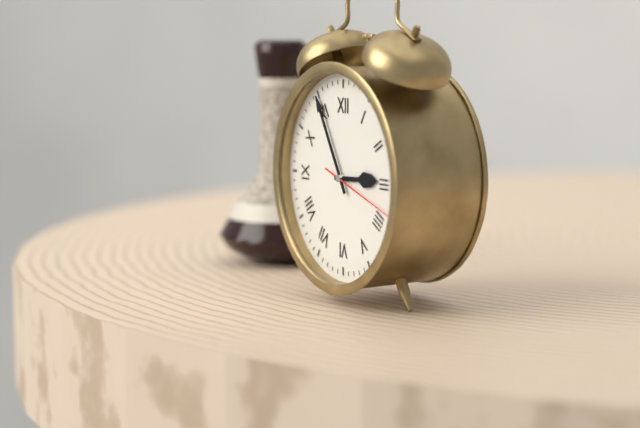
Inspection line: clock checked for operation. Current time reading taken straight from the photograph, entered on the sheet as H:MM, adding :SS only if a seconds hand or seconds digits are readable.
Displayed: 2:55:18
